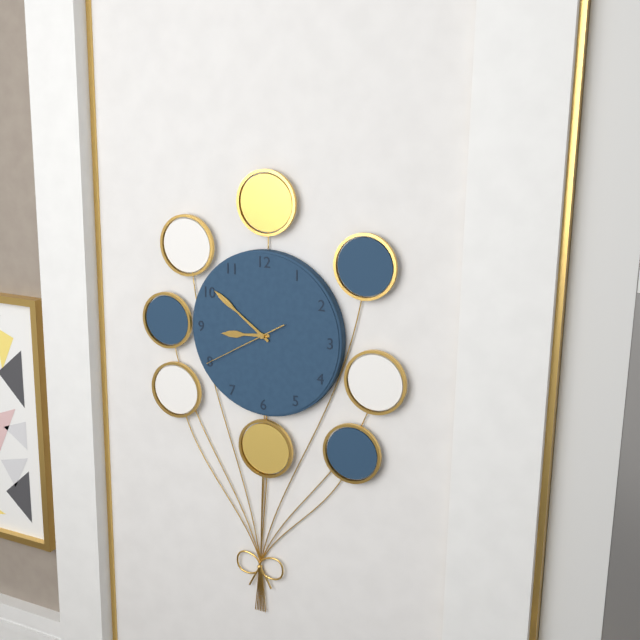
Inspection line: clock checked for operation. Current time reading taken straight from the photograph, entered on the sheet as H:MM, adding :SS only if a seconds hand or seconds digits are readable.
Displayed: 8:51:40
